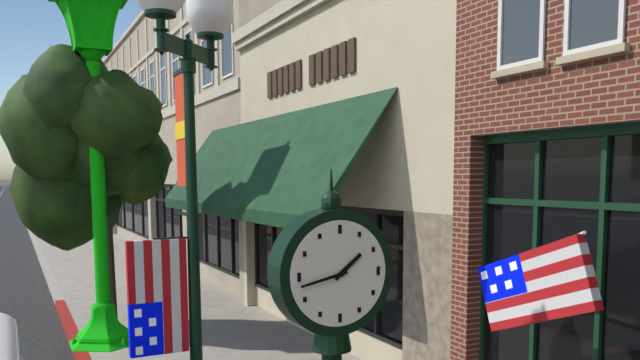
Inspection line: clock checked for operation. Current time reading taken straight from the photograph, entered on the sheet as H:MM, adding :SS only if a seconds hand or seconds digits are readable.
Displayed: 1:43
